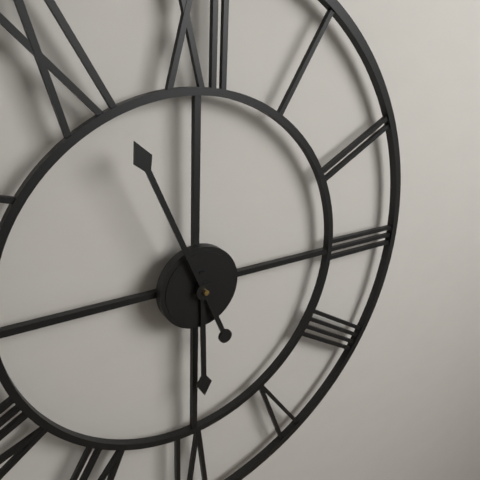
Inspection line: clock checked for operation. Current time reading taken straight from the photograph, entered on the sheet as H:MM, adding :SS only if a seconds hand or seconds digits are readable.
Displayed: 5:56
